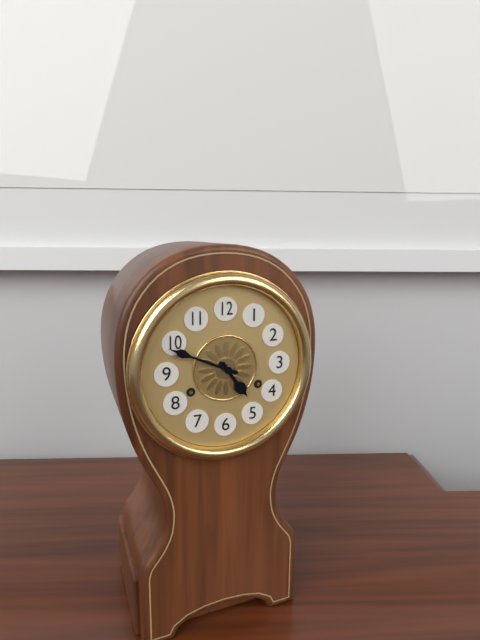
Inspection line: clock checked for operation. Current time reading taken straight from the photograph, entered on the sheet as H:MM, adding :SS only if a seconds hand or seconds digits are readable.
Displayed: 4:49
